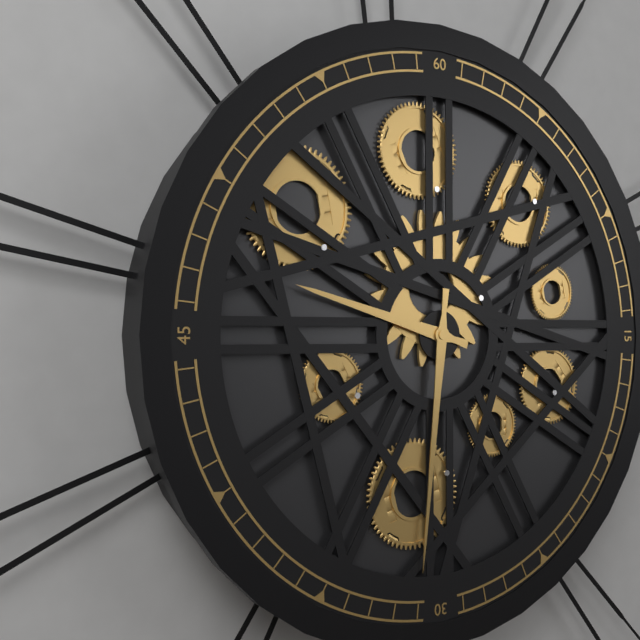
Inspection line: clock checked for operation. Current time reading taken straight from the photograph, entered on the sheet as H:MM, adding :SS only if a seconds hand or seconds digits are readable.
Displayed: 9:31
